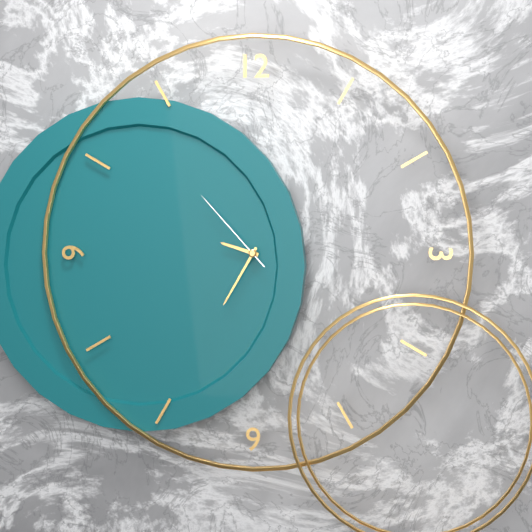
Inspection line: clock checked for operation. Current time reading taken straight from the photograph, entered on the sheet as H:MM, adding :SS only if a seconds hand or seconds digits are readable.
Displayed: 9:35:53
